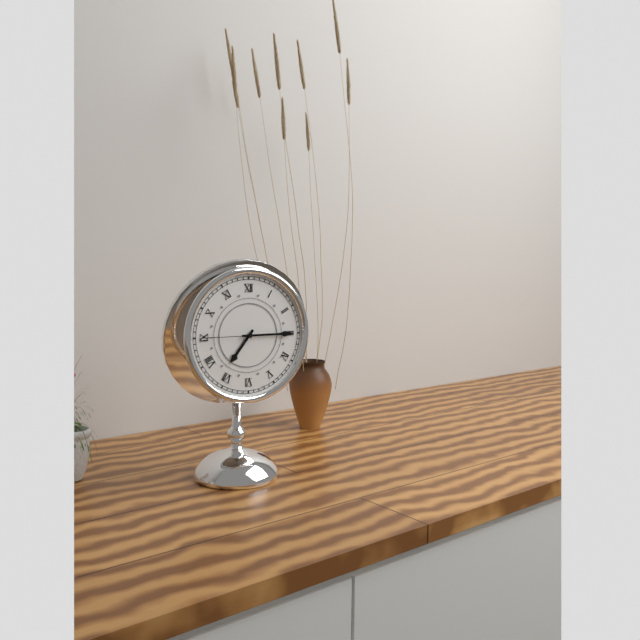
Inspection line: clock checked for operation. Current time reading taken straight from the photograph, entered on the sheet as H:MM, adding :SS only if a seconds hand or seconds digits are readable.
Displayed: 7:15:45
